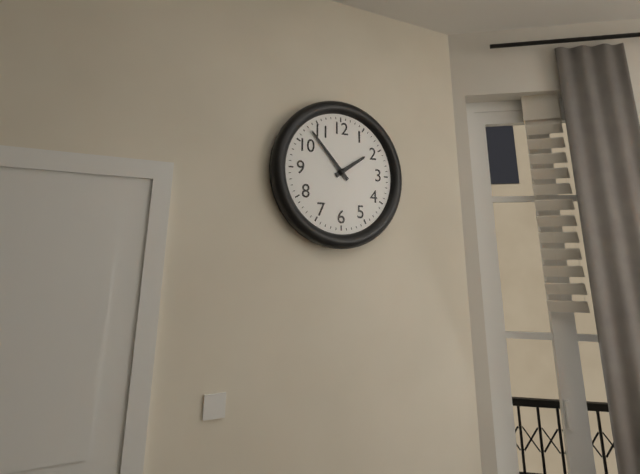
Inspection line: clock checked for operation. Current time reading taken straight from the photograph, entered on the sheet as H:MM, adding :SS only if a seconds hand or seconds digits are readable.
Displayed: 1:53
